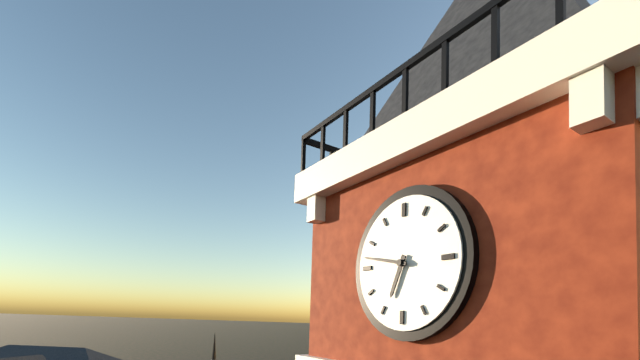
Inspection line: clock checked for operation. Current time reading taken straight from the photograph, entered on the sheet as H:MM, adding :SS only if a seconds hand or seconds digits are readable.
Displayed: 6:47
